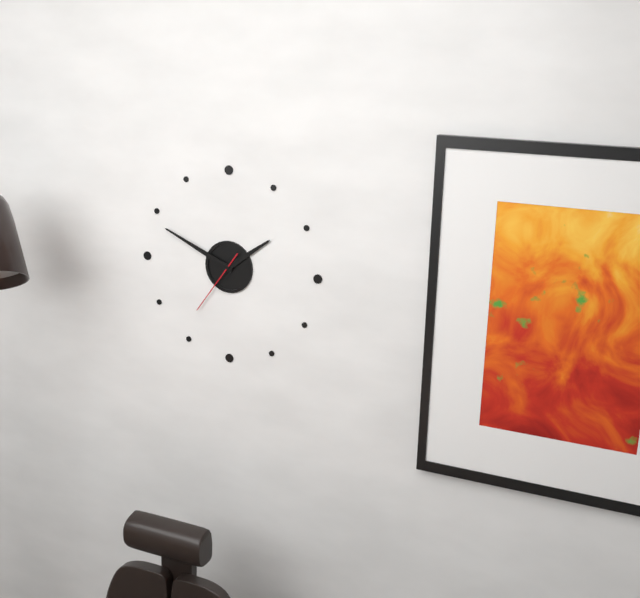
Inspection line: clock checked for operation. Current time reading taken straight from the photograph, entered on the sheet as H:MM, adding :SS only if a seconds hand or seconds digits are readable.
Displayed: 1:49:36
